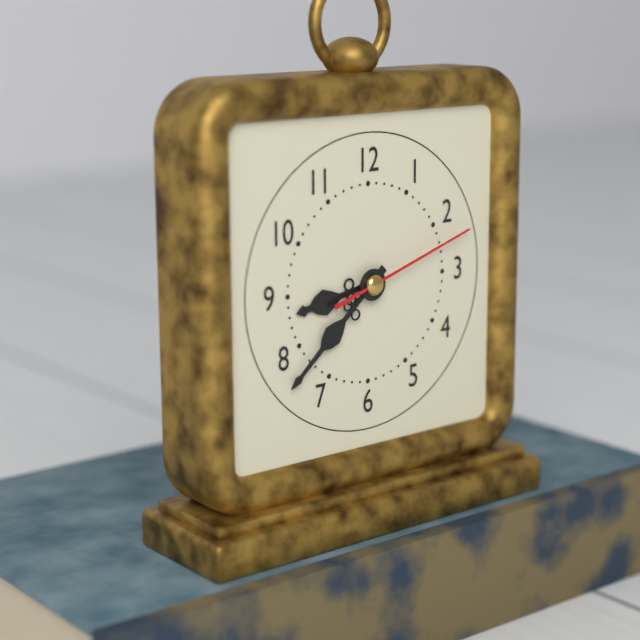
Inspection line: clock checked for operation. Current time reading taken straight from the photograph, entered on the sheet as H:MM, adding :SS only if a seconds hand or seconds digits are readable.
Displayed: 8:38:12
